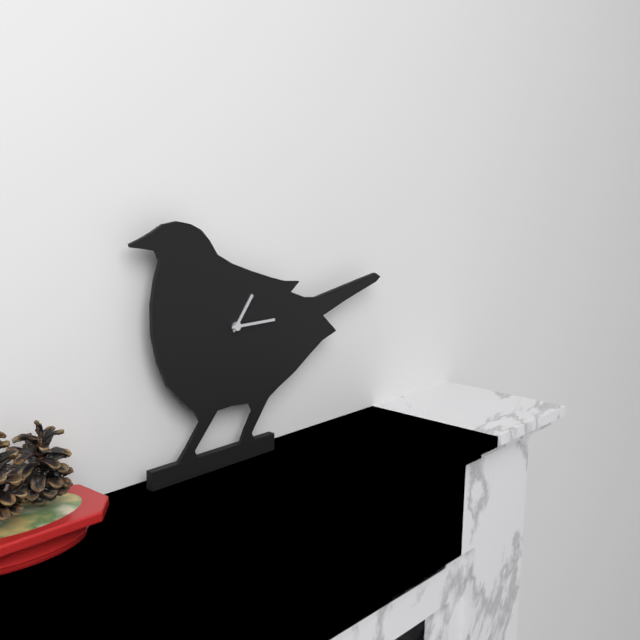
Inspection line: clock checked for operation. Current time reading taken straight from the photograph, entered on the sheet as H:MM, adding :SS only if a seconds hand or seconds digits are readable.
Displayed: 1:15
